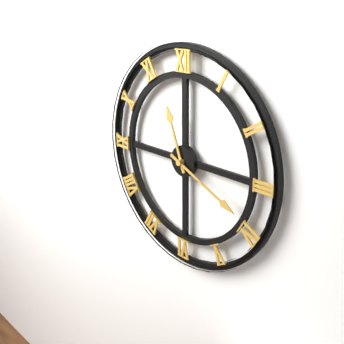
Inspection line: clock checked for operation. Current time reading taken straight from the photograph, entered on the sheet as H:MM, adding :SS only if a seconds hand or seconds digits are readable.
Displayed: 11:19
